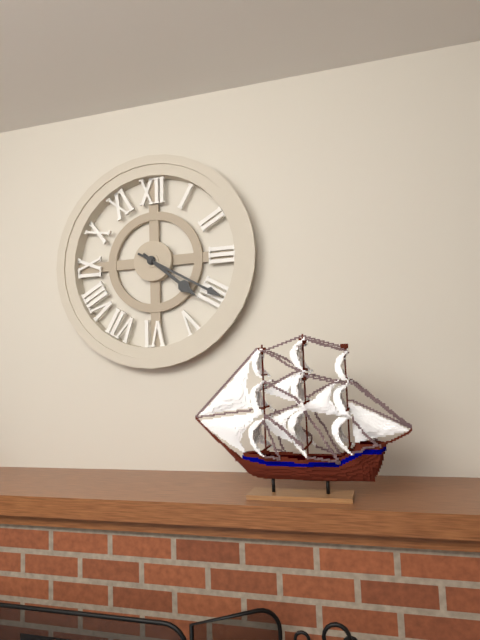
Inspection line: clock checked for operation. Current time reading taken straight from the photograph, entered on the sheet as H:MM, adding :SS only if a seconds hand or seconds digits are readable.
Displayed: 4:20
